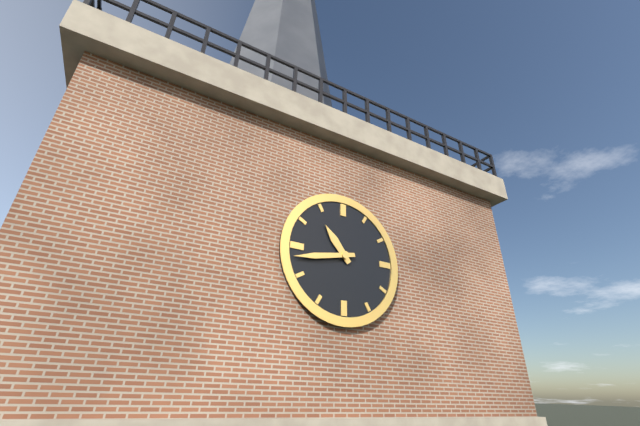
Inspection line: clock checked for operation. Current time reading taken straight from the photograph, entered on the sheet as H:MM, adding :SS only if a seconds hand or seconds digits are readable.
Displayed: 10:43
